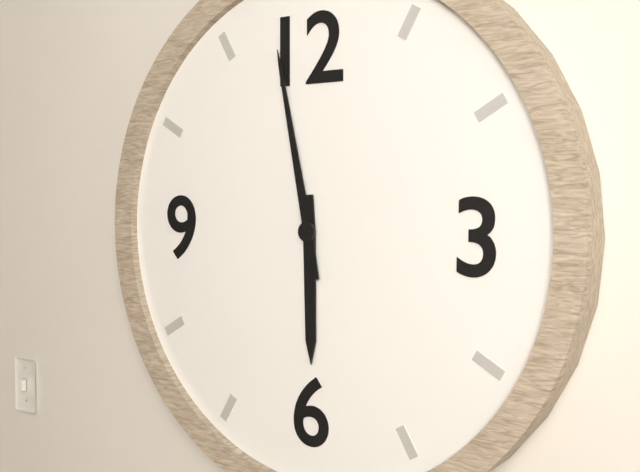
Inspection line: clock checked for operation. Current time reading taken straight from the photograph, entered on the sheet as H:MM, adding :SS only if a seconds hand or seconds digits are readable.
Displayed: 5:58
